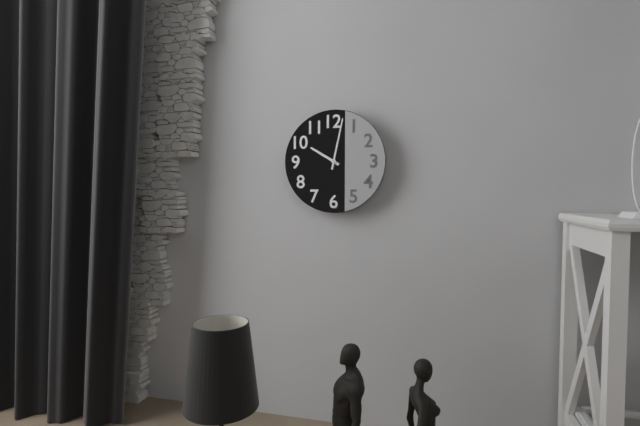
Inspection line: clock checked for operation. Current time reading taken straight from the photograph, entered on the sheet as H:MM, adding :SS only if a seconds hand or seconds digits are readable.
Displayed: 10:02
